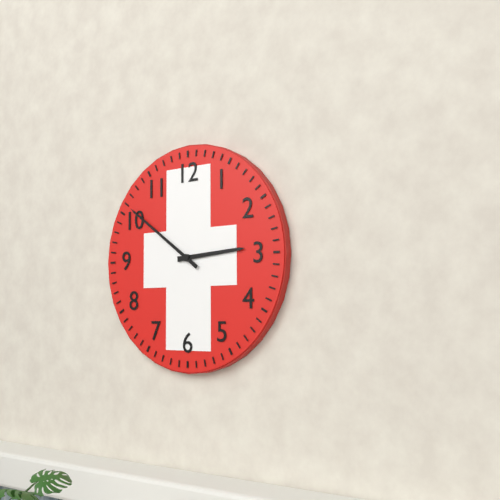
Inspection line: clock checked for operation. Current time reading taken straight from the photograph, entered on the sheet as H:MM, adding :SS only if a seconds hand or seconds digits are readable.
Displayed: 2:51
